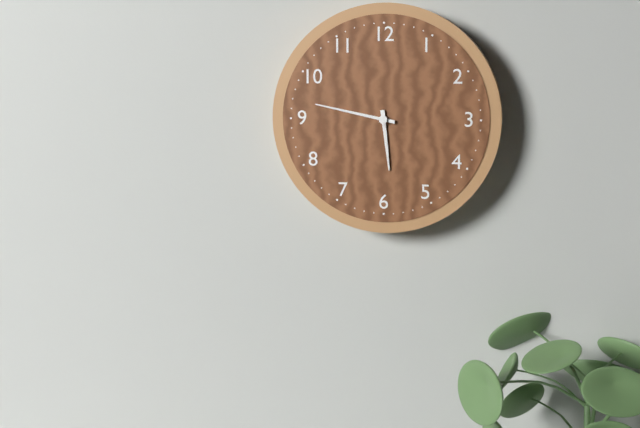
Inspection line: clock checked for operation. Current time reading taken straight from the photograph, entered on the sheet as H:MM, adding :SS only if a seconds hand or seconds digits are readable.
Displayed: 5:47
